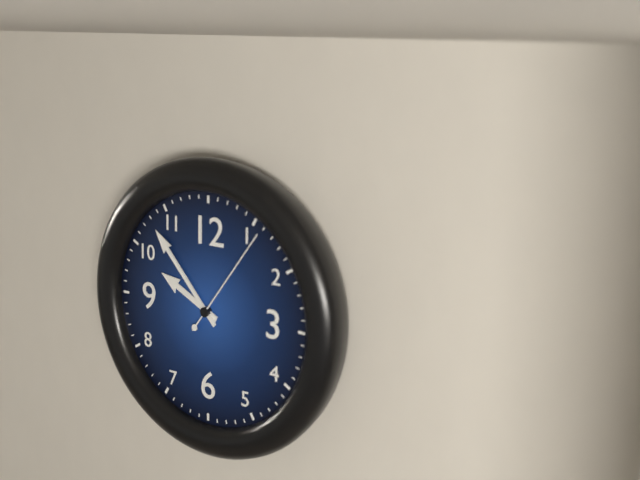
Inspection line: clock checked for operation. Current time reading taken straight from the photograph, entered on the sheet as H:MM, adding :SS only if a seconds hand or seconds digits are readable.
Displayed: 9:53:06
